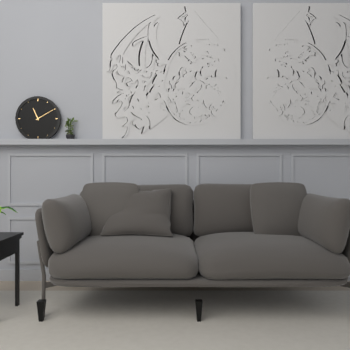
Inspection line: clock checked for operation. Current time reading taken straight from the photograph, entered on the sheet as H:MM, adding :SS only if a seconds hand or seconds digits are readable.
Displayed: 11:10
